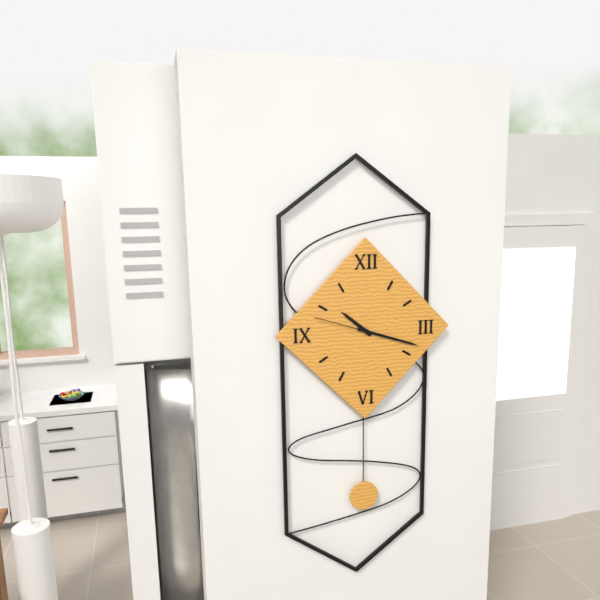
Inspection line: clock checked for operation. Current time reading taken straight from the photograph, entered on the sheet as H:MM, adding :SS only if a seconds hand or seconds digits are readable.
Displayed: 10:18:48
